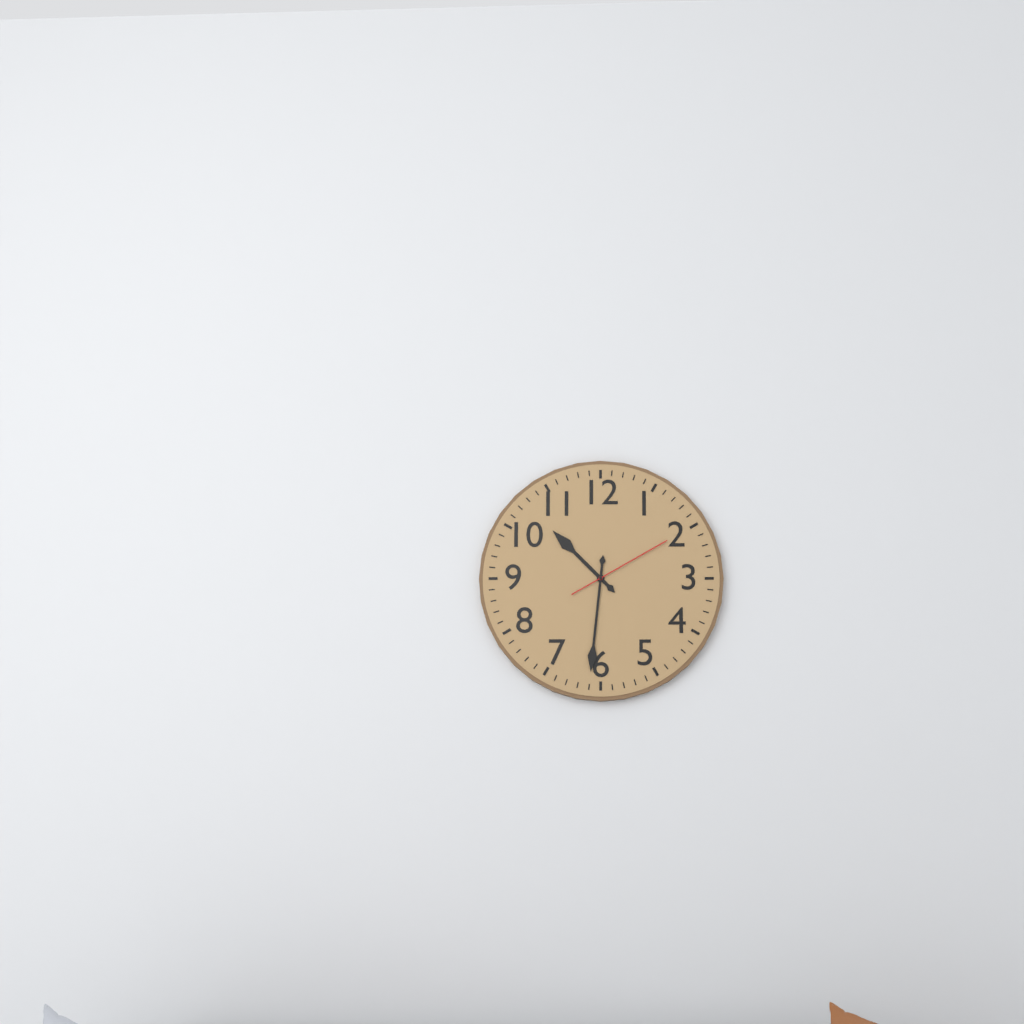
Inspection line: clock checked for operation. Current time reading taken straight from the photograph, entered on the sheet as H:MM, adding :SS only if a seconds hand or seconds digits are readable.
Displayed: 10:31:10
